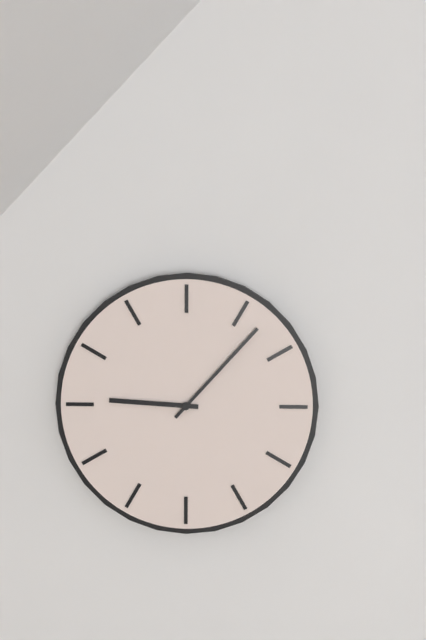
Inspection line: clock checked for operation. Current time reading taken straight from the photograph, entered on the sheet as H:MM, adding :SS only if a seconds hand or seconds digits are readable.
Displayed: 9:07
